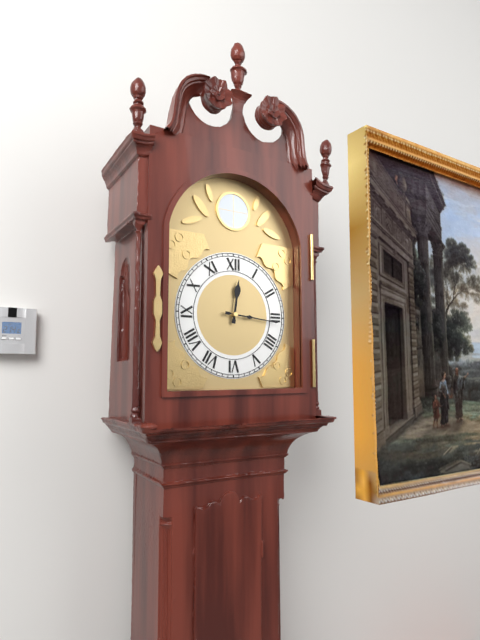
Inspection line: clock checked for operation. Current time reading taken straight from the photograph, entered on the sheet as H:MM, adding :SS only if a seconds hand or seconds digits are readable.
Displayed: 12:16
